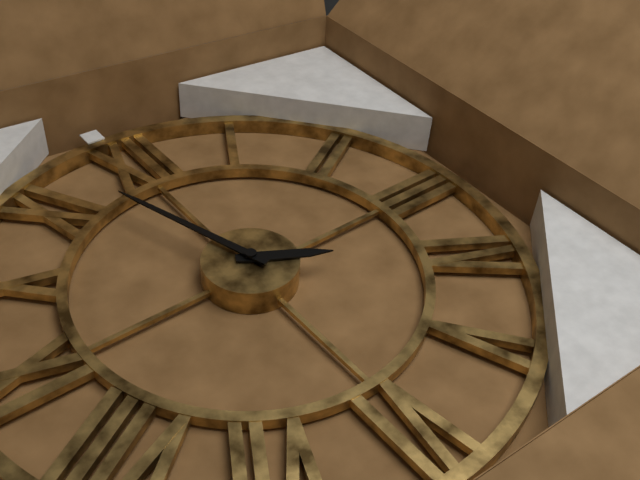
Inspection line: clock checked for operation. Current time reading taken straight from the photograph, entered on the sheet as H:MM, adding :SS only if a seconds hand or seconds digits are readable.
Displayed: 3:57
